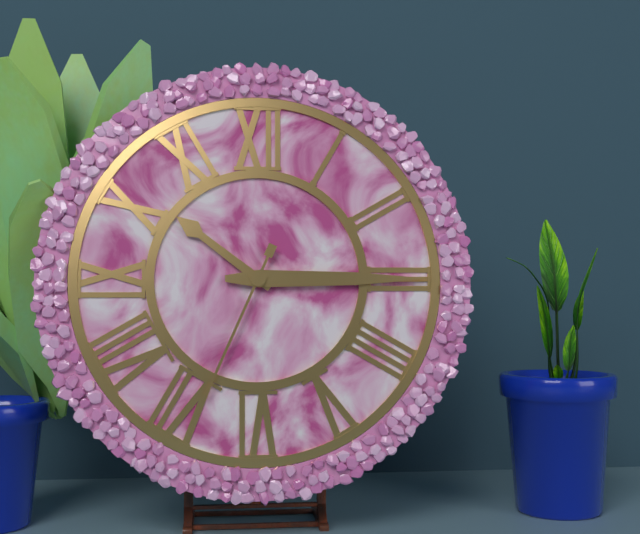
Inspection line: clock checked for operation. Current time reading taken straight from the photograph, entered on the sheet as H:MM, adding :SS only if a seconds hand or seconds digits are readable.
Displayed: 10:15:34
